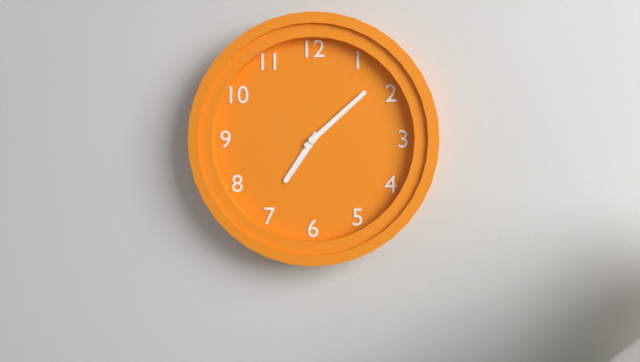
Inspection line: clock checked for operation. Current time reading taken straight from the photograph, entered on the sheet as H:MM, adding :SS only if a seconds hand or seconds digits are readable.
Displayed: 7:08
